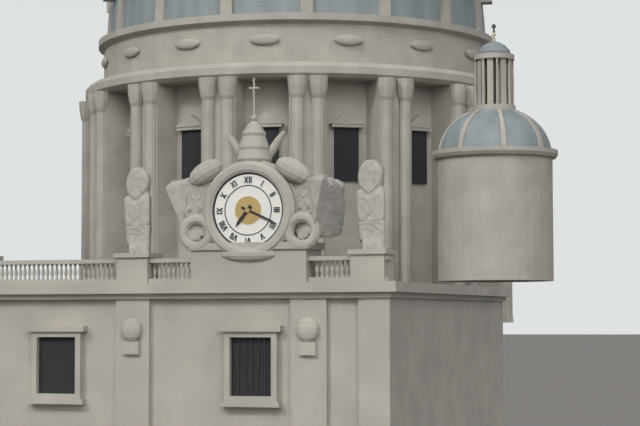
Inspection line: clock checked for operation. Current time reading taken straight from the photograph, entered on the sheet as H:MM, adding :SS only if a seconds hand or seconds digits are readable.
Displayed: 7:19
